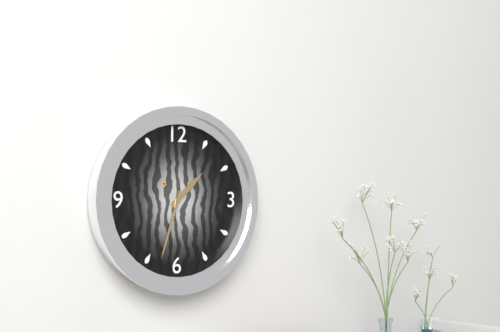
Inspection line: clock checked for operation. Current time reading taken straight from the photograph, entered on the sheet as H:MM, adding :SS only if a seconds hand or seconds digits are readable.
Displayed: 1:33
